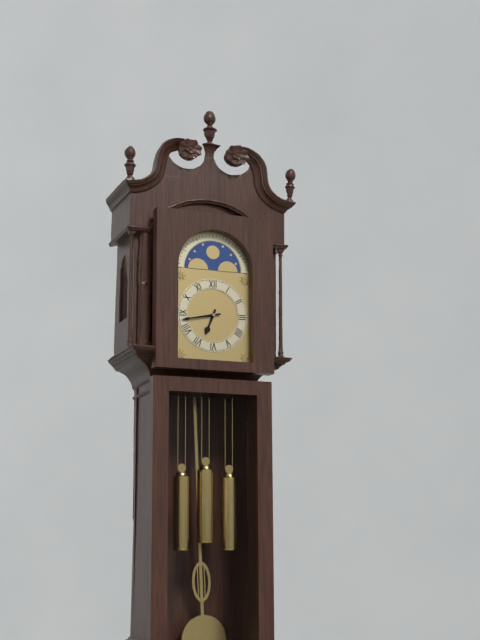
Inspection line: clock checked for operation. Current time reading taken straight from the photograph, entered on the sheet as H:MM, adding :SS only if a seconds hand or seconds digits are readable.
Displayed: 6:43
